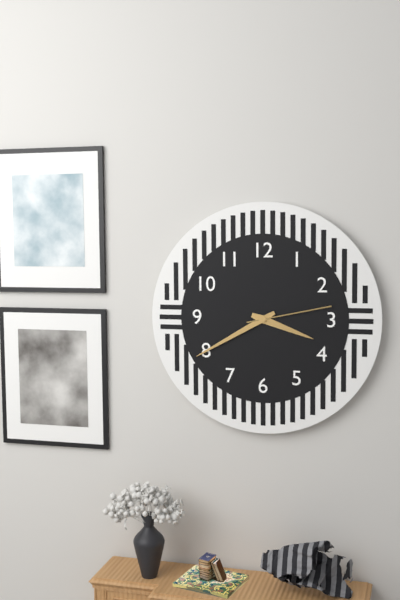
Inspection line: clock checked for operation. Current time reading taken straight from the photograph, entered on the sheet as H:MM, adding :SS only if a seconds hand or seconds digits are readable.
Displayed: 3:40:13
